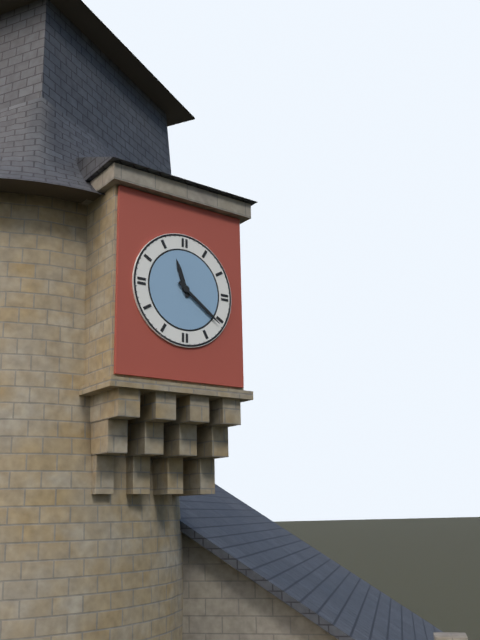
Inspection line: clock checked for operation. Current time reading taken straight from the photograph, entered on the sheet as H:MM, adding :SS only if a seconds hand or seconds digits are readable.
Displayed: 11:21
